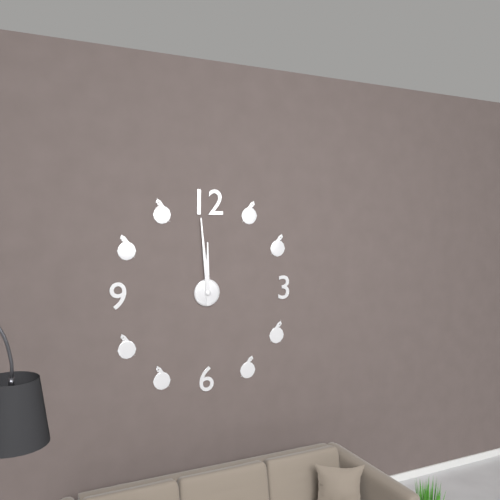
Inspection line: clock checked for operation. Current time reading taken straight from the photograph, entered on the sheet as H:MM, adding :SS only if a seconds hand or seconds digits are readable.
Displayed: 11:59
